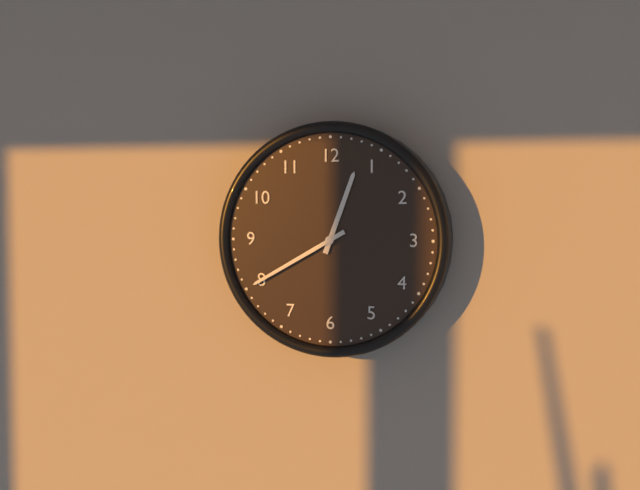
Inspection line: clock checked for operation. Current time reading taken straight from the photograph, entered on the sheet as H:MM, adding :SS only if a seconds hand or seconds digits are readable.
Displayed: 12:40
